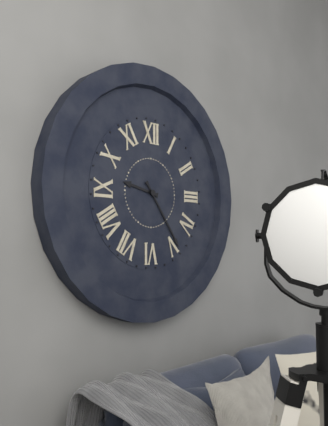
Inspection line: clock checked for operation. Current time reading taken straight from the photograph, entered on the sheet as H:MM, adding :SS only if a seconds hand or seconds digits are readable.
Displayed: 9:24
